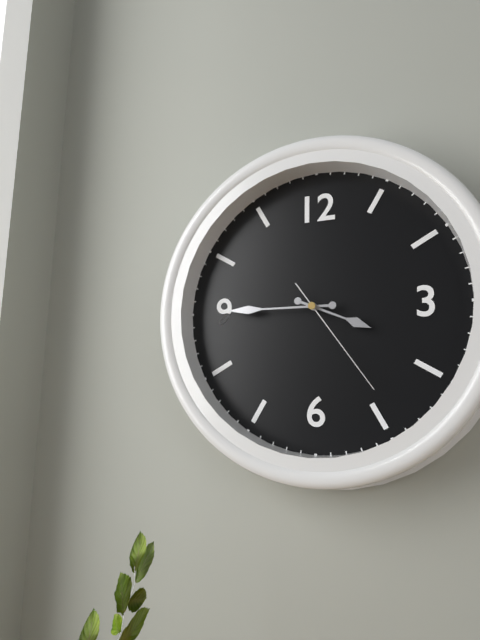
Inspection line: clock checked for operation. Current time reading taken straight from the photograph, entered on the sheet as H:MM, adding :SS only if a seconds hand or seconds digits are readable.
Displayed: 3:45:24
